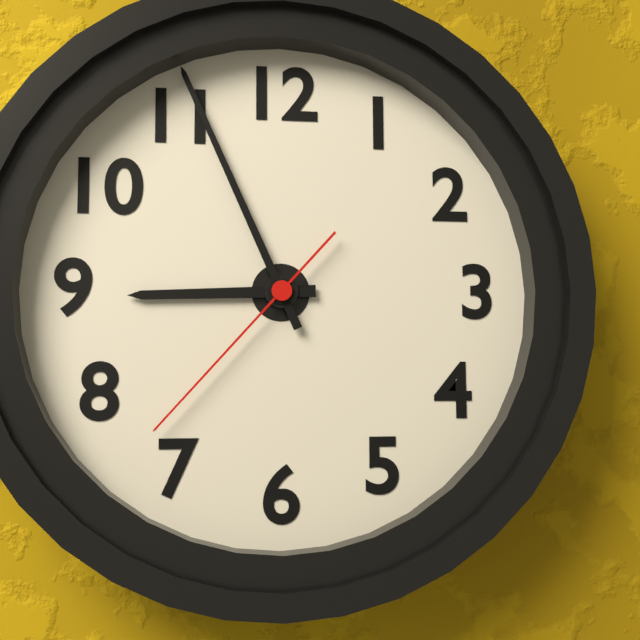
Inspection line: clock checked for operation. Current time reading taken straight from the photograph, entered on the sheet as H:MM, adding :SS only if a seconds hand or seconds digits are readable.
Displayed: 8:56:37
